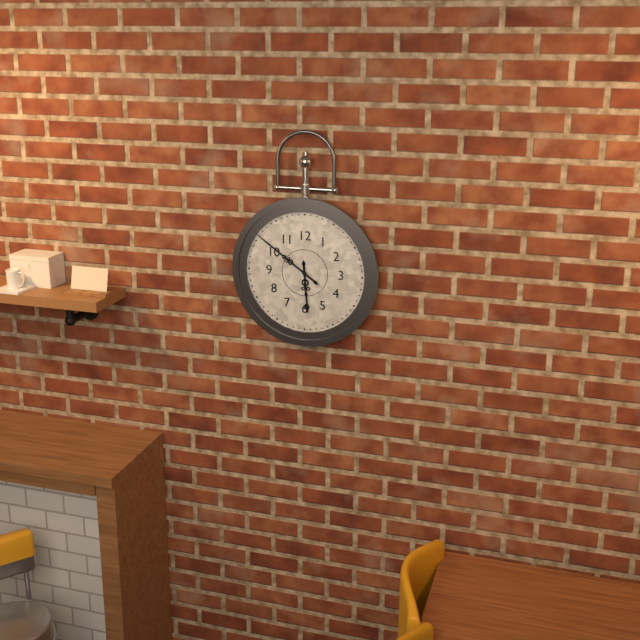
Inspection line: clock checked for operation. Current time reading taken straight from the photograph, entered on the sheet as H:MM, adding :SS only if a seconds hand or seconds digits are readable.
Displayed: 5:51
